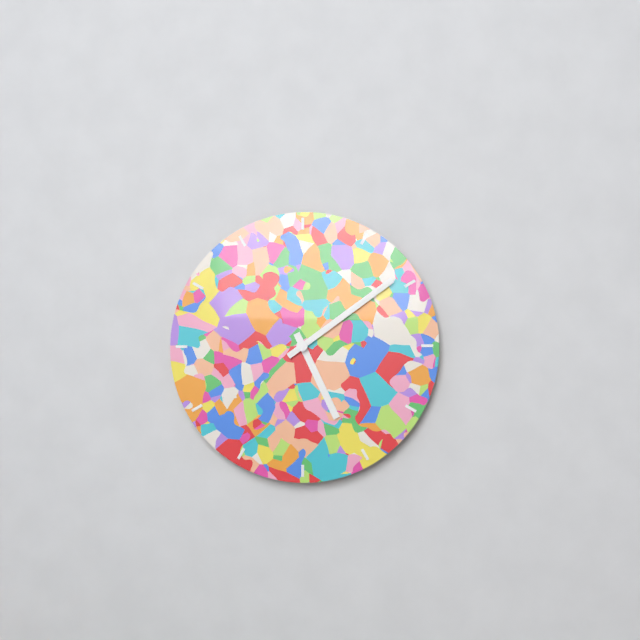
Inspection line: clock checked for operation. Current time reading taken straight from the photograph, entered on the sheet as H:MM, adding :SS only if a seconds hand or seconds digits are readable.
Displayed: 5:09
